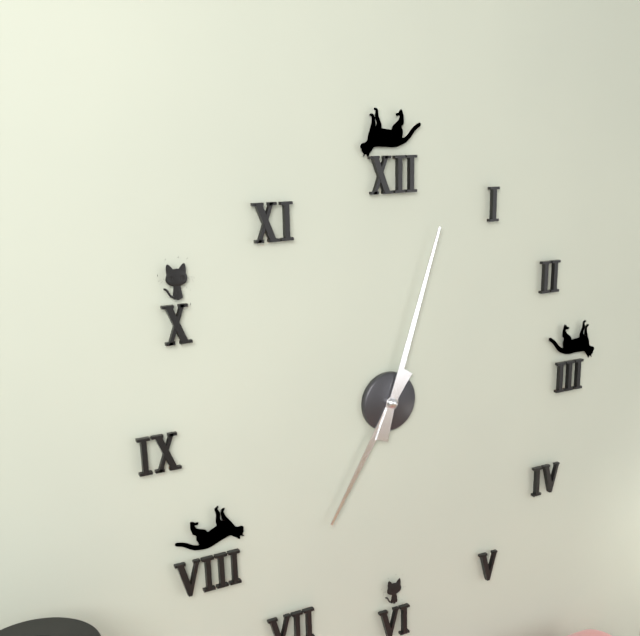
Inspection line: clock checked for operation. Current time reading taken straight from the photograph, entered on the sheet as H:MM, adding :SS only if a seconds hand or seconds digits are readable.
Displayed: 7:03
